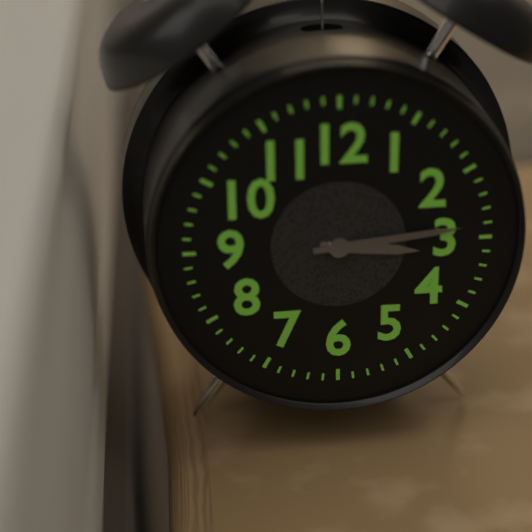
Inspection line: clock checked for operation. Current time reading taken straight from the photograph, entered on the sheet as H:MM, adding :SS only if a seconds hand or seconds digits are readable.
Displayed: 3:14
